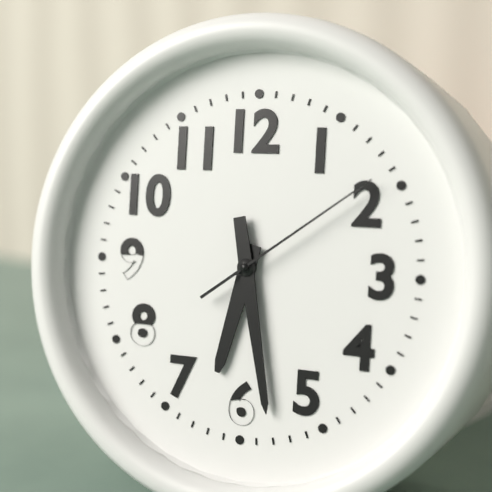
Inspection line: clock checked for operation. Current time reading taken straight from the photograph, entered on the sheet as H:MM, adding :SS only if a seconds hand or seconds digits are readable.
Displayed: 6:28:09
